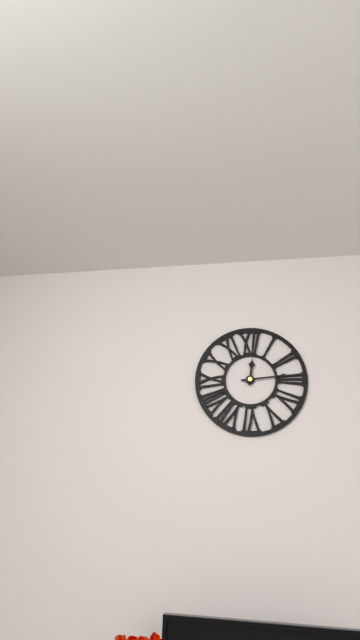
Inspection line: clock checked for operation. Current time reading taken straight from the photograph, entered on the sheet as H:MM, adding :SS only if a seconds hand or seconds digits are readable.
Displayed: 12:14
